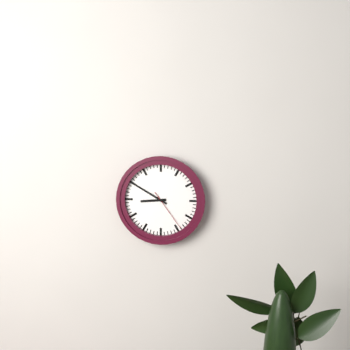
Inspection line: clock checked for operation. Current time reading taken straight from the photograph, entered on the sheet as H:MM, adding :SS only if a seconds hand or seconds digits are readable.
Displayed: 8:50
